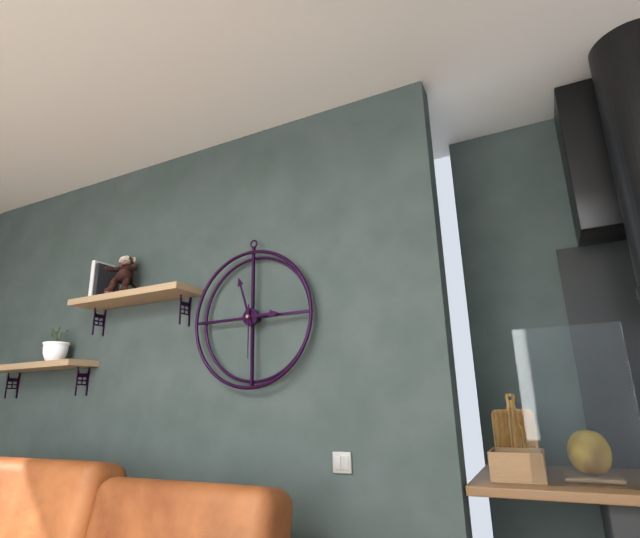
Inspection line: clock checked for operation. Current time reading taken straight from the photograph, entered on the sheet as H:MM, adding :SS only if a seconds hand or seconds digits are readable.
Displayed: 2:57:30
